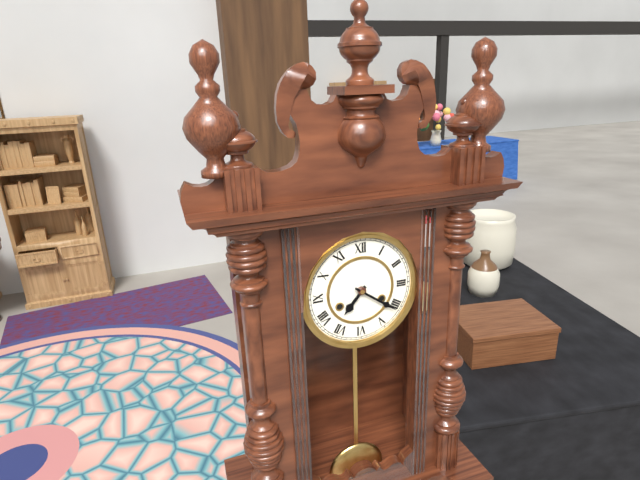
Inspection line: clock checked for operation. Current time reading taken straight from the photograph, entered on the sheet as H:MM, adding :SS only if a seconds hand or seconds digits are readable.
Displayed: 7:21
